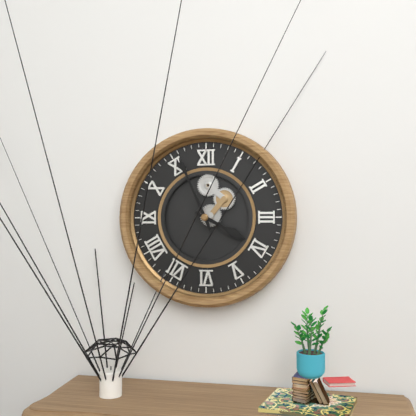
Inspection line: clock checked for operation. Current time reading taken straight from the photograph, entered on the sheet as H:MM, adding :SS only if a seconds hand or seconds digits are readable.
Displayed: 3:56
